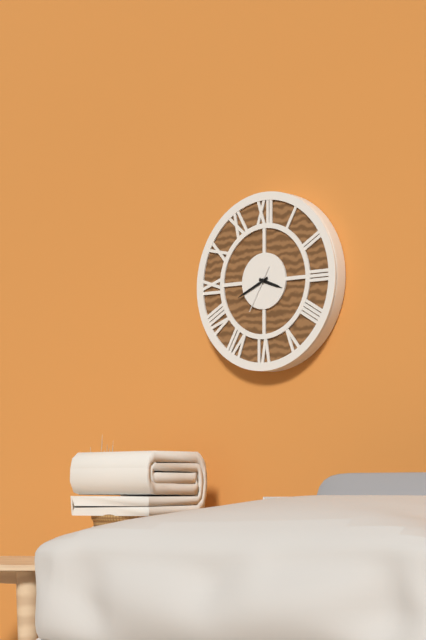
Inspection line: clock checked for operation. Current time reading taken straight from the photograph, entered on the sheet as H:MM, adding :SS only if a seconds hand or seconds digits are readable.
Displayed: 3:41
